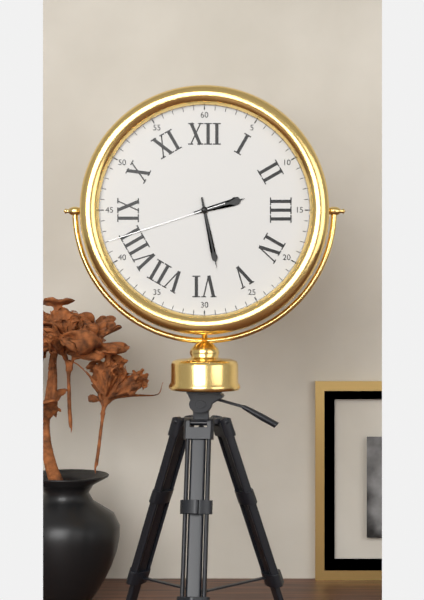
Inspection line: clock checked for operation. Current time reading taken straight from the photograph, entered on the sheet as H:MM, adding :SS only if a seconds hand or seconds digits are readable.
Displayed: 2:28:42
